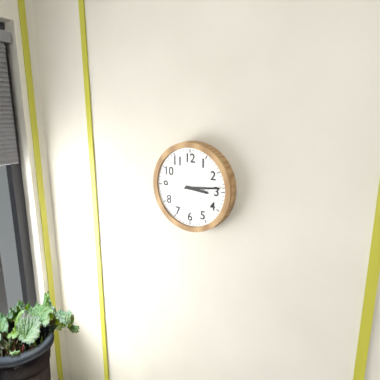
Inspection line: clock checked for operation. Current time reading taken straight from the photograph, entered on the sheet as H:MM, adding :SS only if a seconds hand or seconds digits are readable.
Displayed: 3:14
